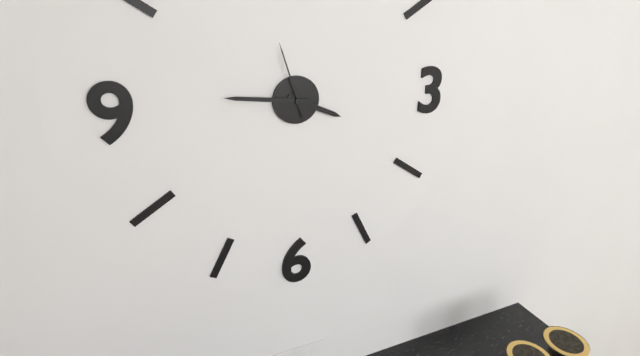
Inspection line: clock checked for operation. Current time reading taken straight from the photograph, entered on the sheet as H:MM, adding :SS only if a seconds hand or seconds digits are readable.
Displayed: 3:46:57
